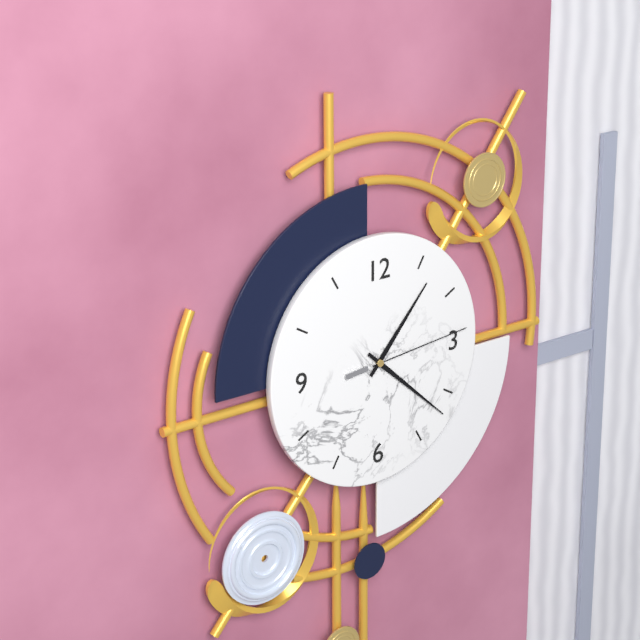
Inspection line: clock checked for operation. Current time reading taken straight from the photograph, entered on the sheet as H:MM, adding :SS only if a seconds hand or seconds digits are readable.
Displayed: 1:22:14
